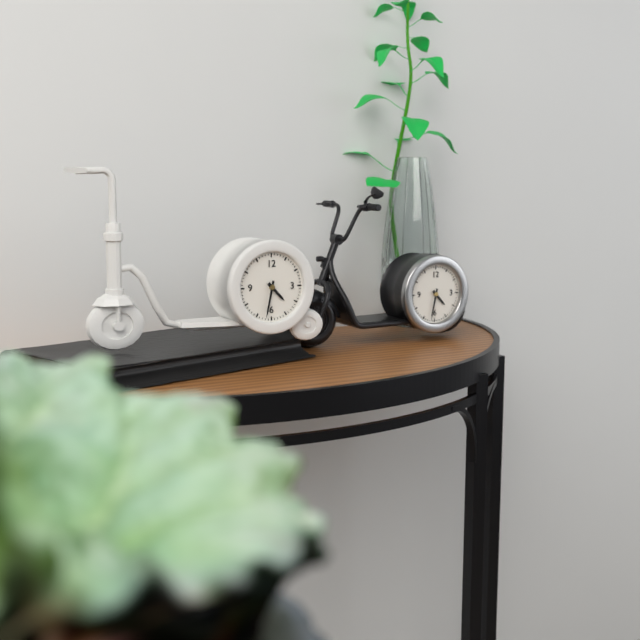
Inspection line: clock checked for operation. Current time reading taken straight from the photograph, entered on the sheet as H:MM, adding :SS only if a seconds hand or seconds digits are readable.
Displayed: 4:32
